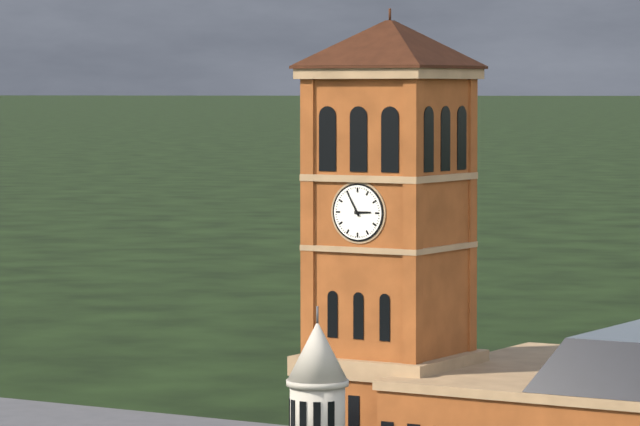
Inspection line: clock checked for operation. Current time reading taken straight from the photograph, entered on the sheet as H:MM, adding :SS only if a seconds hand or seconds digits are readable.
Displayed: 2:55
